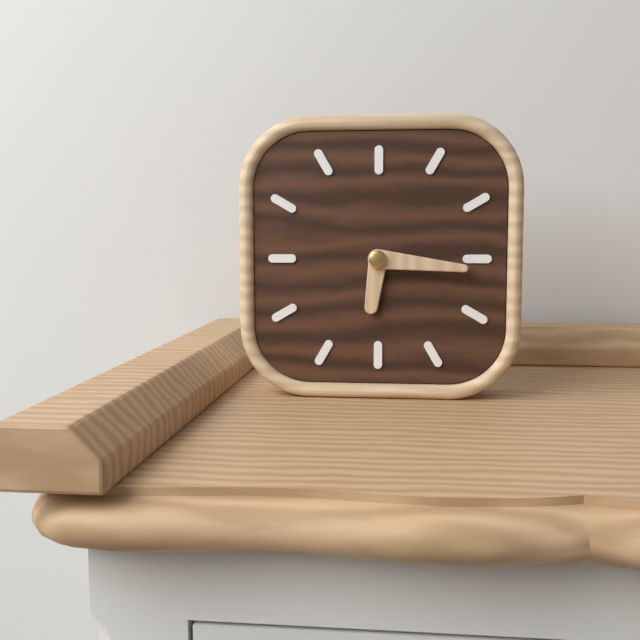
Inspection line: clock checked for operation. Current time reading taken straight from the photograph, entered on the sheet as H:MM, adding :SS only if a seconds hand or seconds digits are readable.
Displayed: 6:16
